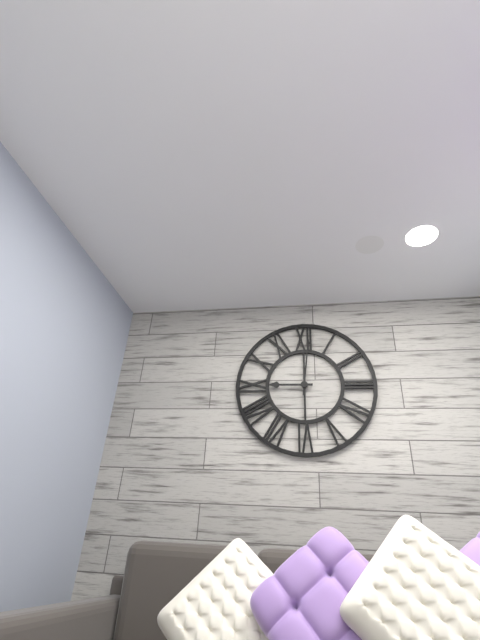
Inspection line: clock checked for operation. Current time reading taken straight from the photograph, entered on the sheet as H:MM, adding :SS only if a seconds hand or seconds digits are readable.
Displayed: 9:01
